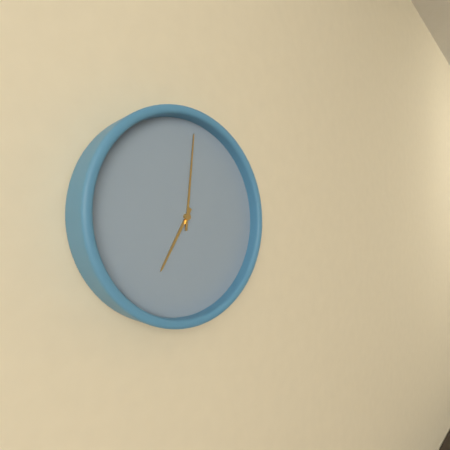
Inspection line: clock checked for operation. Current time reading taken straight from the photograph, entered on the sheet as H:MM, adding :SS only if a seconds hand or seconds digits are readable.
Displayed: 7:01
